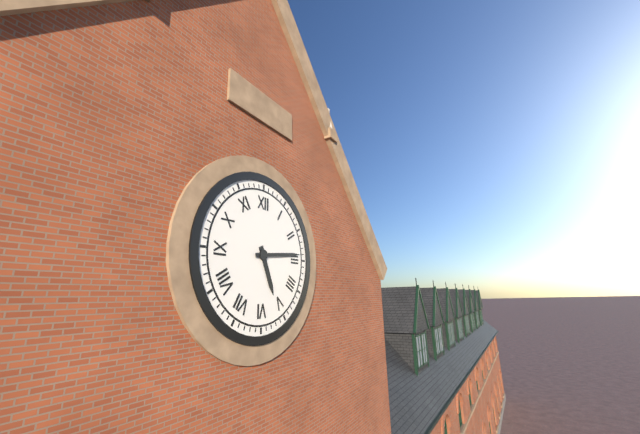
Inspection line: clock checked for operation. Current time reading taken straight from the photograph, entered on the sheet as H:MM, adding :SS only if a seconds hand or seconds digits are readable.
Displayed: 5:14
